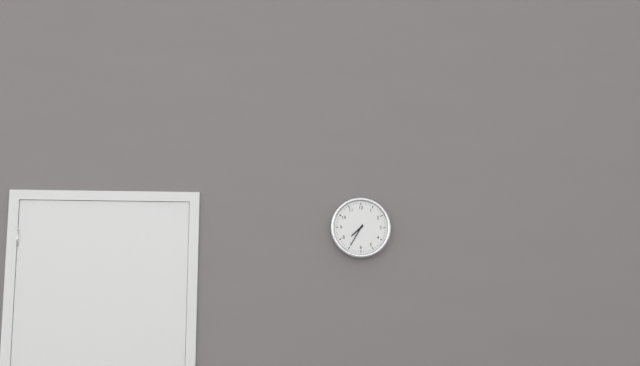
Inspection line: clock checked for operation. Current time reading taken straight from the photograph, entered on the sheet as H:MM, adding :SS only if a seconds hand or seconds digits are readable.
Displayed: 7:35
